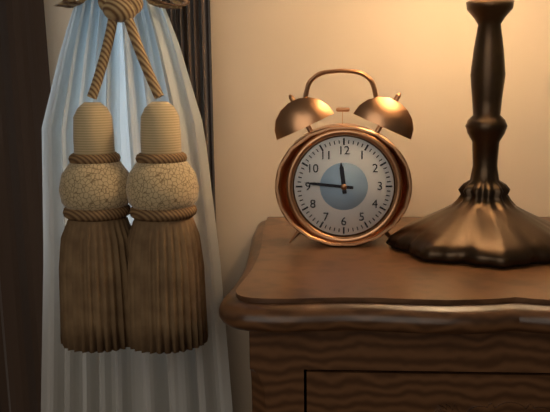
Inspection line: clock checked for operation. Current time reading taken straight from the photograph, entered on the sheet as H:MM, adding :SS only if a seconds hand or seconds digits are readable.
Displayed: 11:46
